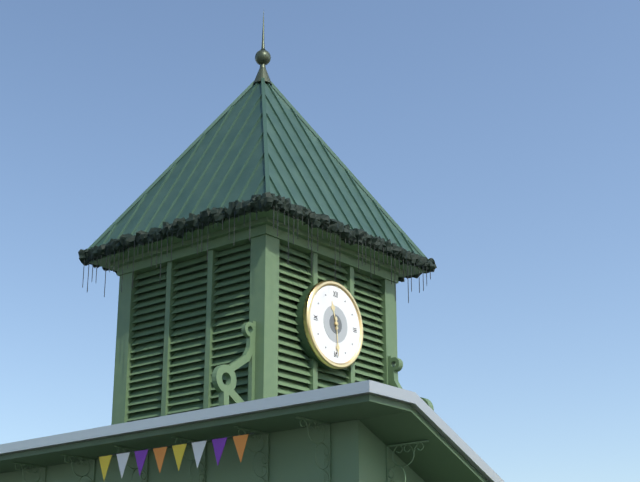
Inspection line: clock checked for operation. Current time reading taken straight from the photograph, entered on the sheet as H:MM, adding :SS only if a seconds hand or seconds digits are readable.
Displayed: 11:29
